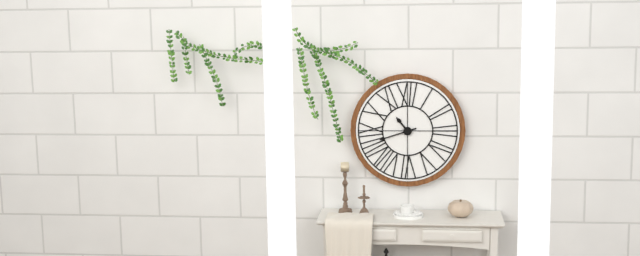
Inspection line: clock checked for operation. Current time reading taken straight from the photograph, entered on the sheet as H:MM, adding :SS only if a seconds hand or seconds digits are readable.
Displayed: 10:42
